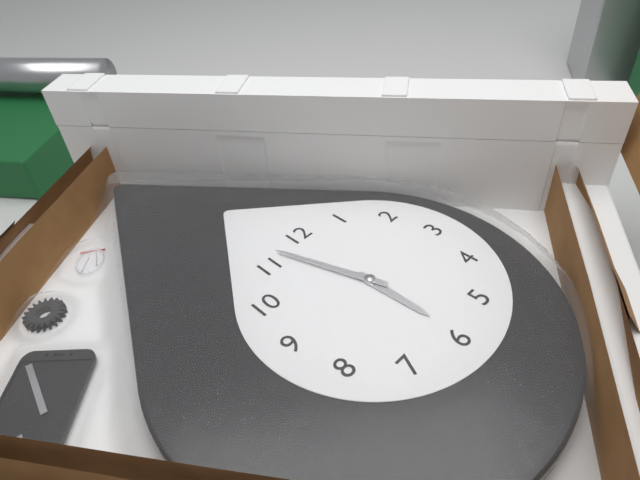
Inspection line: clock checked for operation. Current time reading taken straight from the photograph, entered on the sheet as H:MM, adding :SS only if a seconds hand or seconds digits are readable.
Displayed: 5:57
